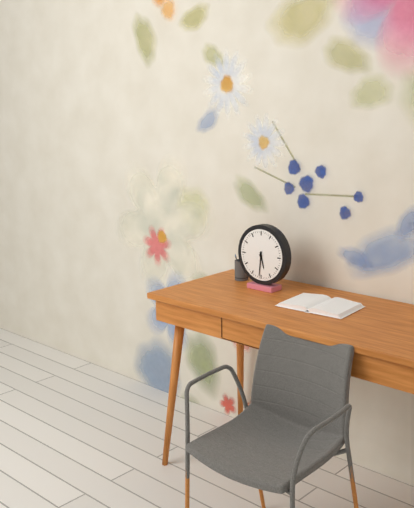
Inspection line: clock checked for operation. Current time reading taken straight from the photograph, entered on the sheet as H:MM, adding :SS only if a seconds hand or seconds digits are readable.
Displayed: 5:31
